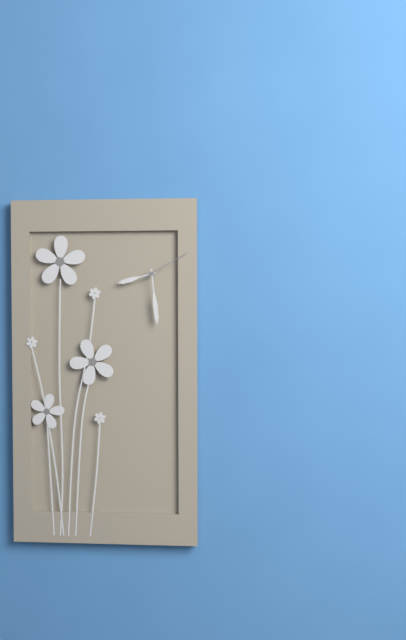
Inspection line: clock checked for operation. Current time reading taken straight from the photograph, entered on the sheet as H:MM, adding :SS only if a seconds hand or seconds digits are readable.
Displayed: 8:29:10
